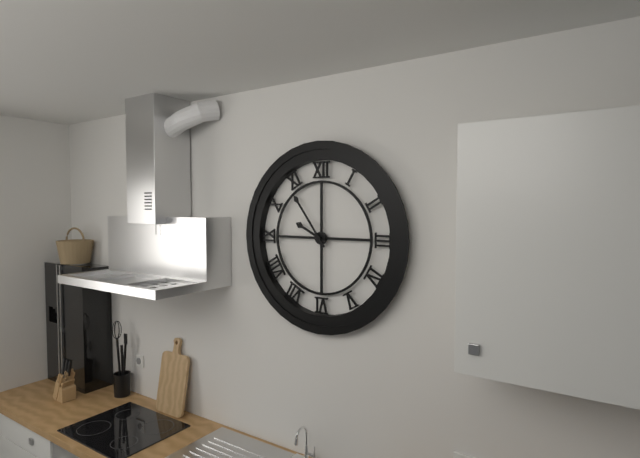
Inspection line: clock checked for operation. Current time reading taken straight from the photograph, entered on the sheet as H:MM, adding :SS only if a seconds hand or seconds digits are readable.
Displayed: 9:54
